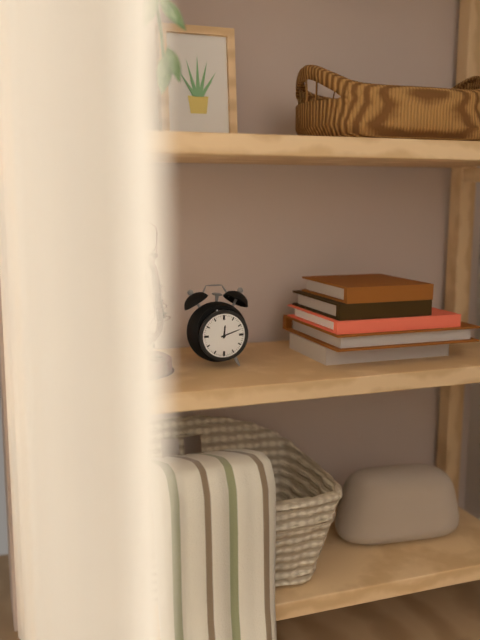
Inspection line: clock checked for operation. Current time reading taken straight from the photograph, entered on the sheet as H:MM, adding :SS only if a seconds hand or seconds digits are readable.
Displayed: 12:12
